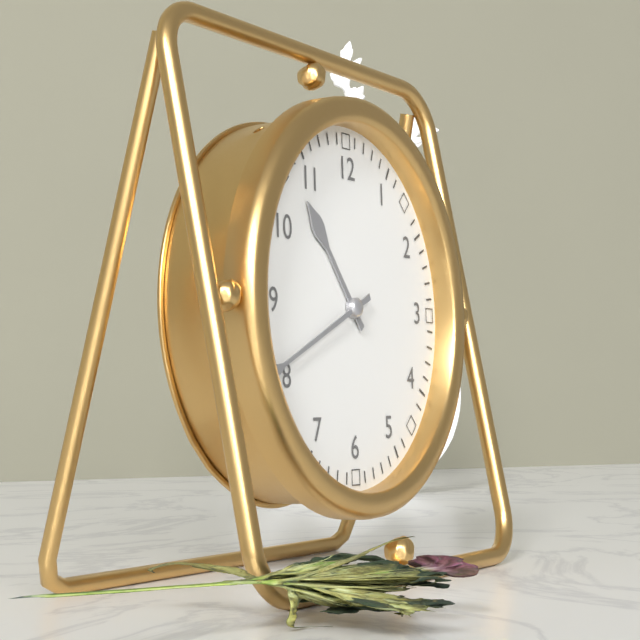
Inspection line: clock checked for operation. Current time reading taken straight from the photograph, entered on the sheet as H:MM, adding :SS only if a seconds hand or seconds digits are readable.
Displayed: 10:41
